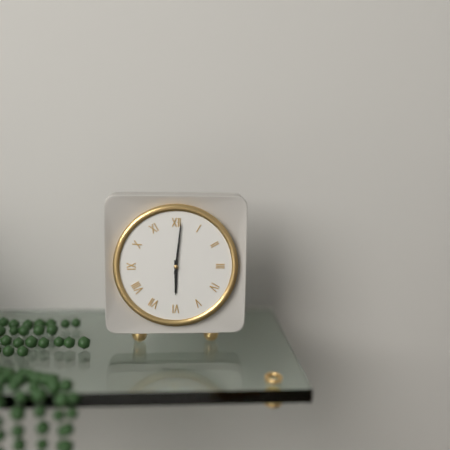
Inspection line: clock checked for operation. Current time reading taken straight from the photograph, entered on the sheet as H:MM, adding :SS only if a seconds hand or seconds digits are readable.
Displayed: 6:01
